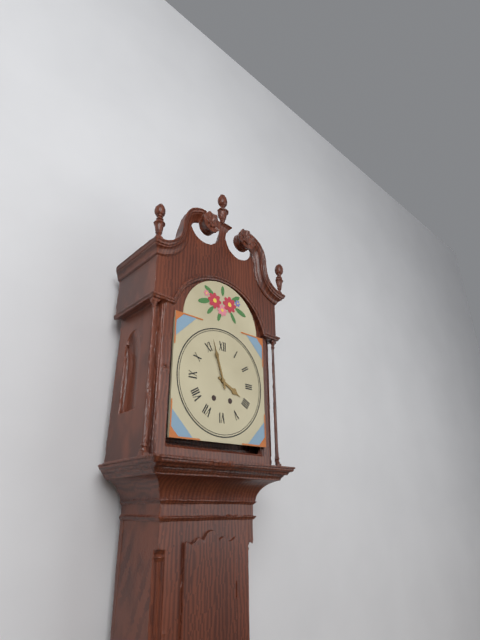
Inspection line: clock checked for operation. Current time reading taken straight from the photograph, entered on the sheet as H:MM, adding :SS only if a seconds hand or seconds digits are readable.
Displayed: 3:57
